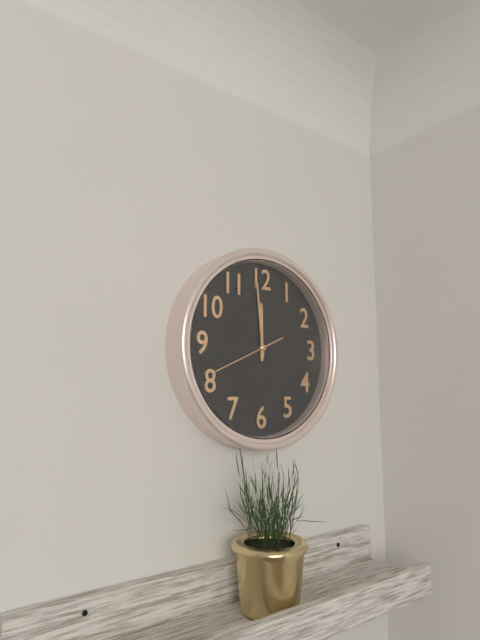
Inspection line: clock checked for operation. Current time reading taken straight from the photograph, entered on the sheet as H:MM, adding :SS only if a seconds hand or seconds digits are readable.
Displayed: 11:59:41
